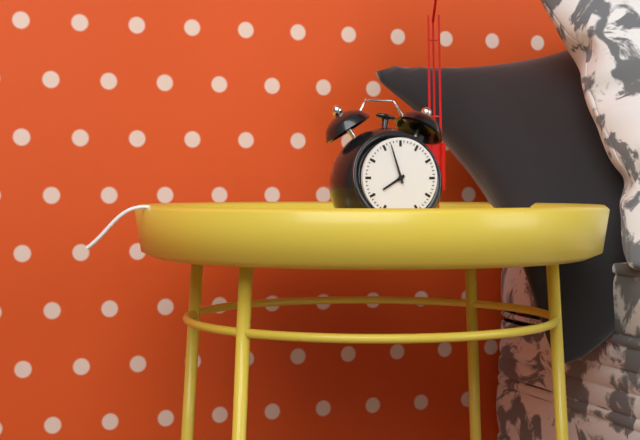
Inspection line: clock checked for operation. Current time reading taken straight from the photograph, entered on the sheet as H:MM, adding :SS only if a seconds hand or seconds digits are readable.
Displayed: 7:57
